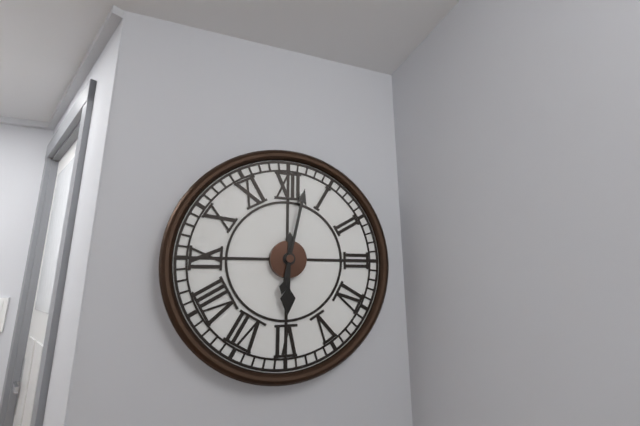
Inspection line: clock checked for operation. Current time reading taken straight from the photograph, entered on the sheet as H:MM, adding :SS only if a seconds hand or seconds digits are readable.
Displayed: 6:02
